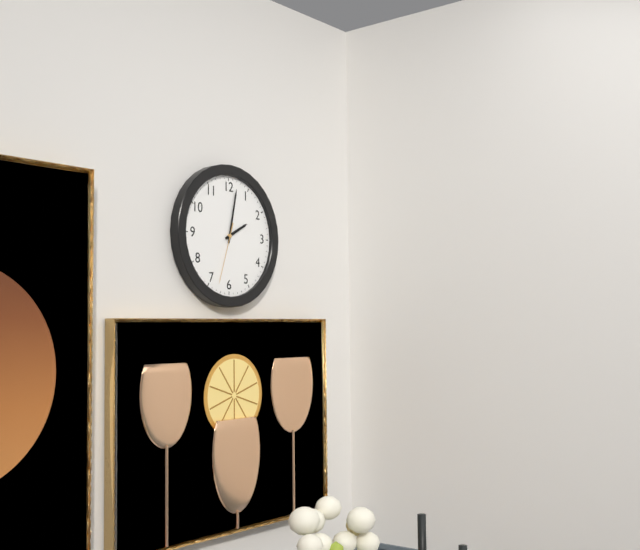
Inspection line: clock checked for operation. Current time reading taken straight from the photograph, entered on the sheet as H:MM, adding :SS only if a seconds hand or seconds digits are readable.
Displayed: 2:02:33
